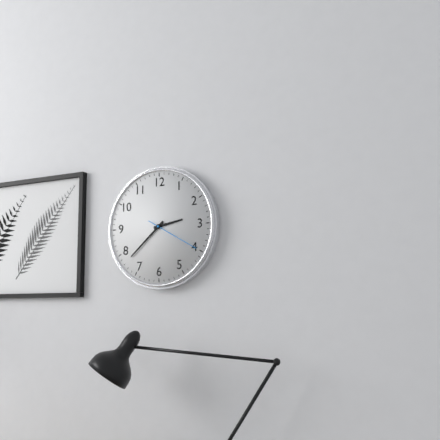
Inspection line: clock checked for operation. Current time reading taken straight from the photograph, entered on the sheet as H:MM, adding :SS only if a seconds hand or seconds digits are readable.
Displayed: 2:38:20
